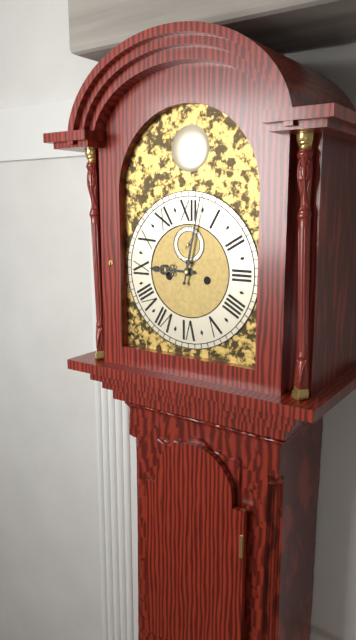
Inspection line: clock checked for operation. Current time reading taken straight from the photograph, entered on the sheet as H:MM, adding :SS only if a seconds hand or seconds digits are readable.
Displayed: 9:02
